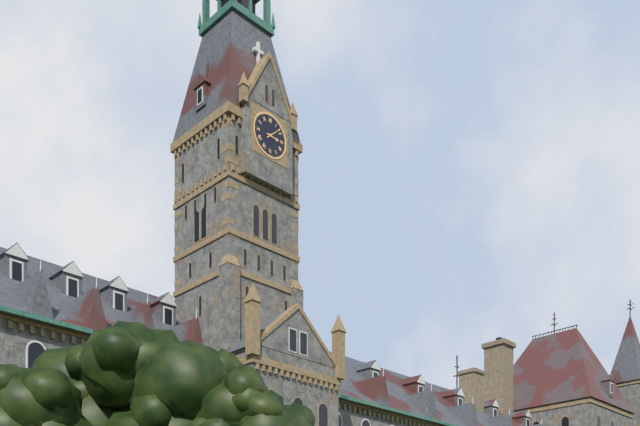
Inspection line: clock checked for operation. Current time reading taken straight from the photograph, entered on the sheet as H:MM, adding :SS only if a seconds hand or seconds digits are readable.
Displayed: 3:08
